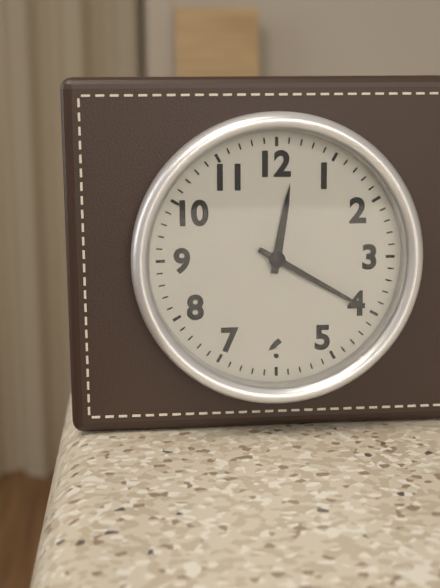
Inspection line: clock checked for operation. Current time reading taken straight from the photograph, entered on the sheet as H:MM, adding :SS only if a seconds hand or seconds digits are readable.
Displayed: 12:20
